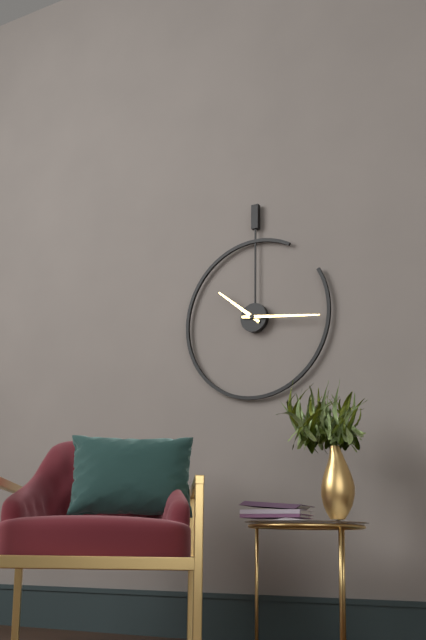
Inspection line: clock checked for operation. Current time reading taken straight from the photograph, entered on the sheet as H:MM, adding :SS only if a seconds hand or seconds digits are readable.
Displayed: 10:16
